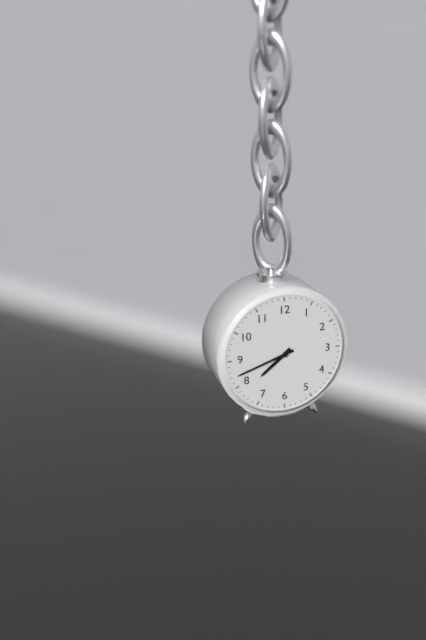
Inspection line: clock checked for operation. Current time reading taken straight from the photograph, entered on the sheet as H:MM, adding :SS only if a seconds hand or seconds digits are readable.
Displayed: 7:42
